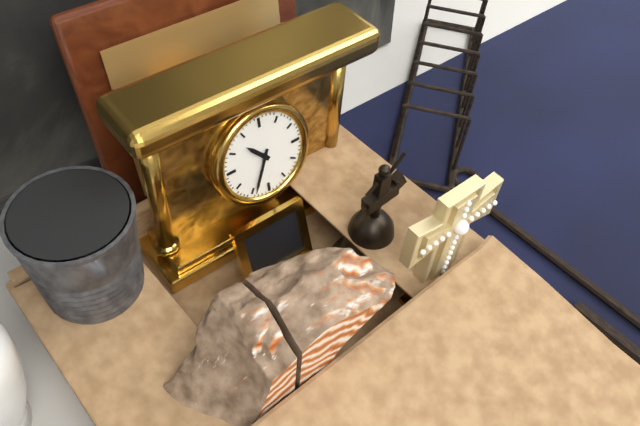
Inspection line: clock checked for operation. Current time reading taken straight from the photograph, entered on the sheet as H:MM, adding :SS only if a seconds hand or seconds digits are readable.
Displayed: 10:34
